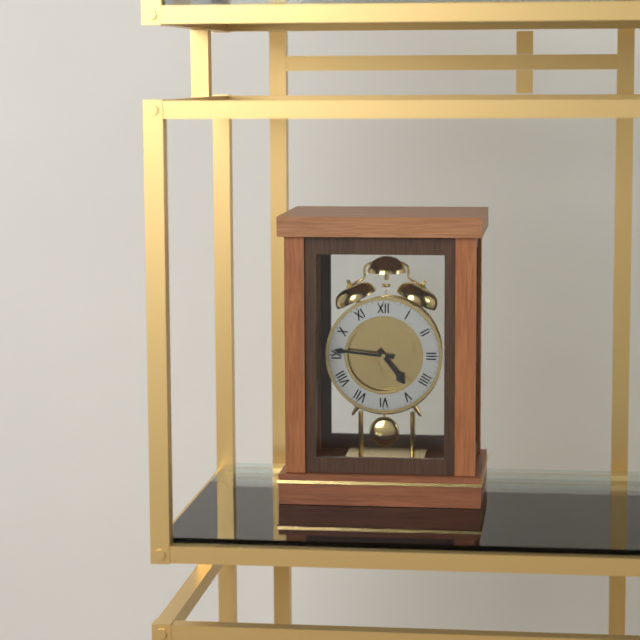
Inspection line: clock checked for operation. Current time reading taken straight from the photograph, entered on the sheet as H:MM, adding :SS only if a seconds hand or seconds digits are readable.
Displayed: 4:46
